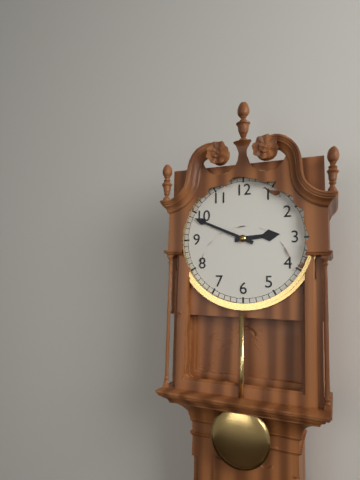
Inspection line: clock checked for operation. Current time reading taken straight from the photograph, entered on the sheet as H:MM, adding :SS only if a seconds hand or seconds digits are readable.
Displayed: 2:49
